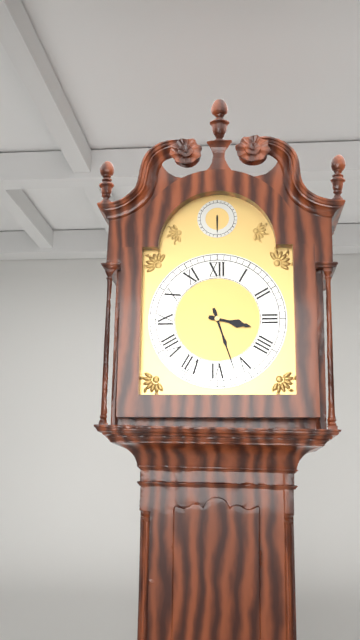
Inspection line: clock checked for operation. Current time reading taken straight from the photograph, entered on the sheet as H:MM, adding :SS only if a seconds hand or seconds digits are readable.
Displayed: 3:27
